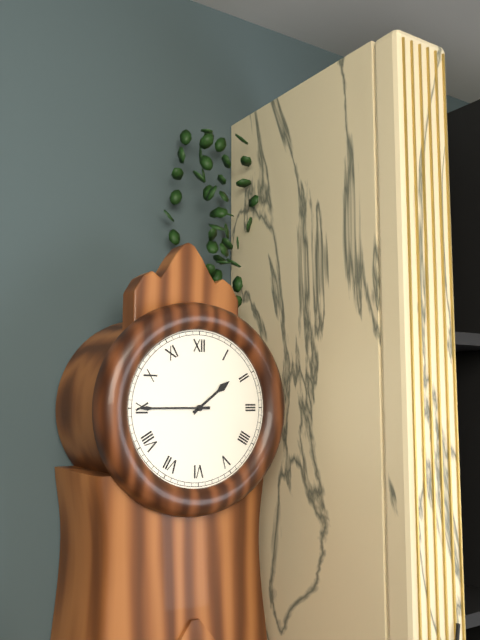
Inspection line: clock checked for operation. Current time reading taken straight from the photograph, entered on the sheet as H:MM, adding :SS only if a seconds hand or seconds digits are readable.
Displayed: 1:45
